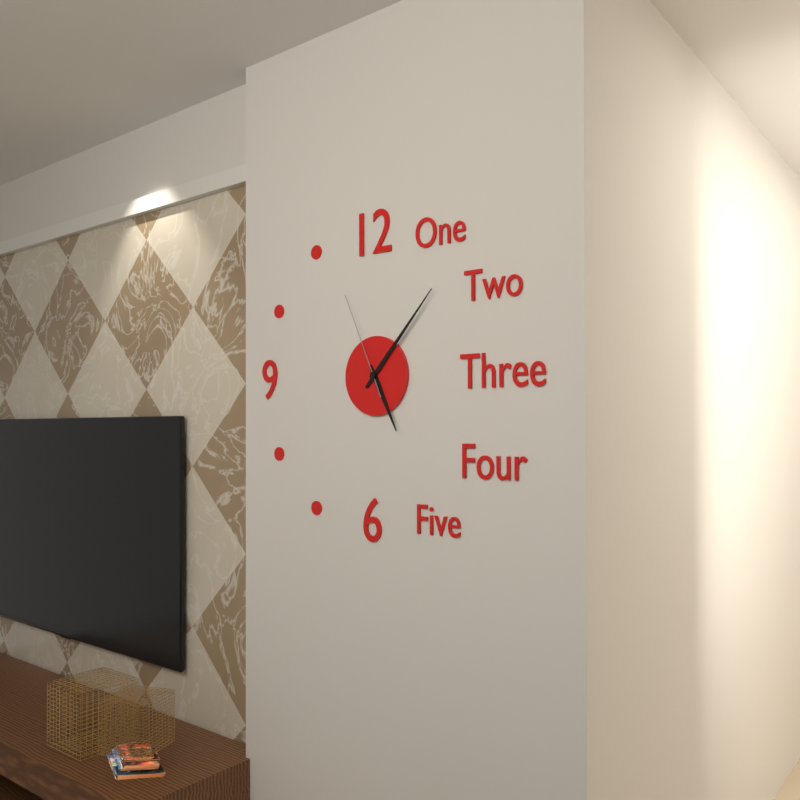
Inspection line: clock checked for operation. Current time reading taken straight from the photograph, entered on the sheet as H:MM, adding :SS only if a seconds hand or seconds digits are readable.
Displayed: 5:07:56
